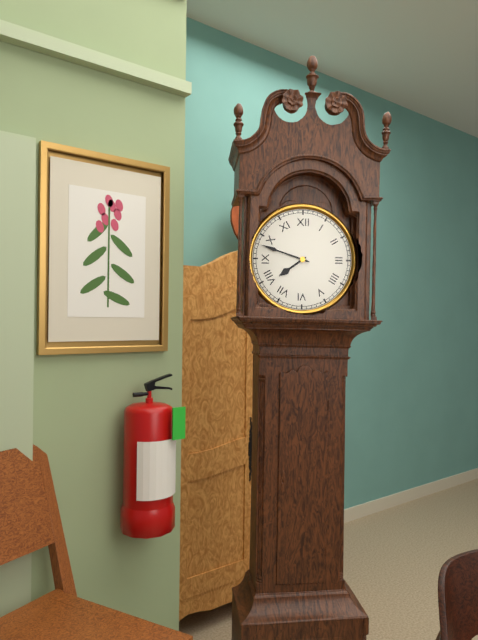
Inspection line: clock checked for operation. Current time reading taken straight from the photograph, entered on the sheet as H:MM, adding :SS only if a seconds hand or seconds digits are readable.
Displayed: 7:48
